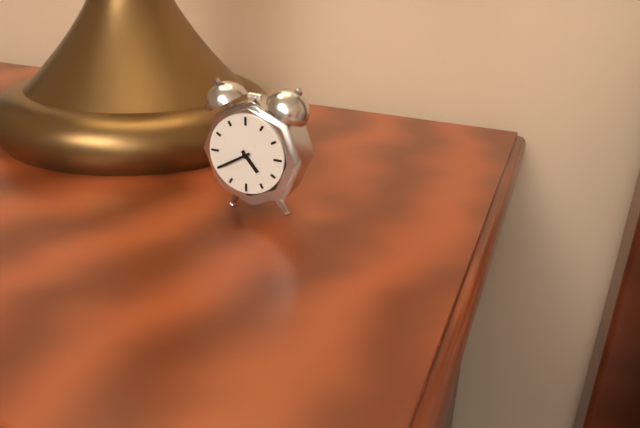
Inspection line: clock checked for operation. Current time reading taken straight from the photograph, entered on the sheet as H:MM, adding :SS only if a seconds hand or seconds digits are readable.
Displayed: 4:40
